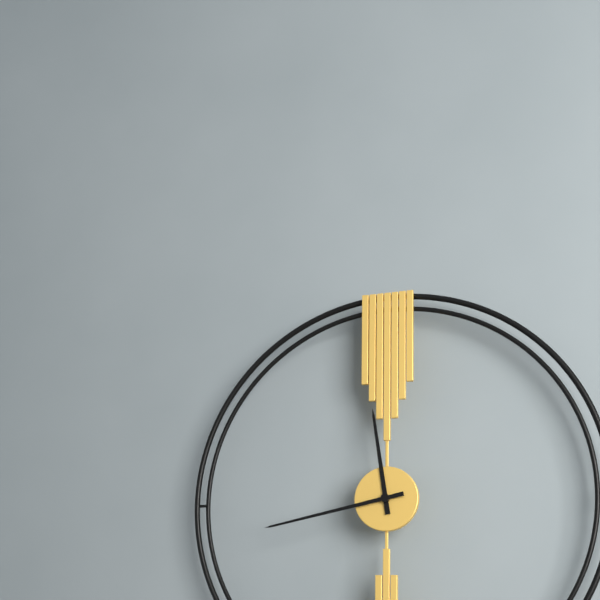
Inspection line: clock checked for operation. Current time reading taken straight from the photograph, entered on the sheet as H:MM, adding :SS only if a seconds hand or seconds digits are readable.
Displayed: 11:43
